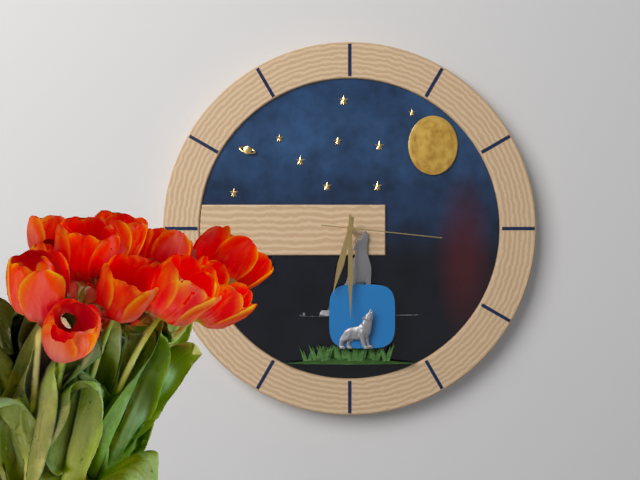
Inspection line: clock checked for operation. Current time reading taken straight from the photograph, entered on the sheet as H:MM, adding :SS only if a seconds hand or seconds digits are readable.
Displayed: 6:30:16
